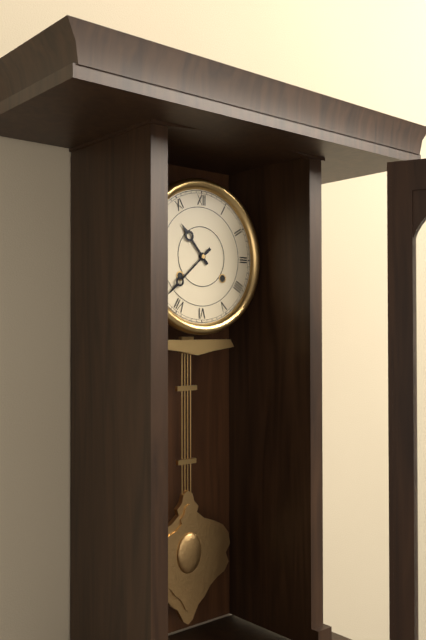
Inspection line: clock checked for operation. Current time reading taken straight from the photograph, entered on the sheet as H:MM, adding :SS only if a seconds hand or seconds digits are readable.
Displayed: 10:38
